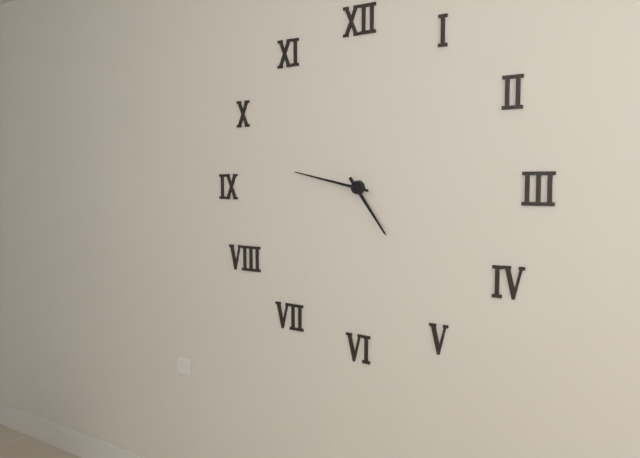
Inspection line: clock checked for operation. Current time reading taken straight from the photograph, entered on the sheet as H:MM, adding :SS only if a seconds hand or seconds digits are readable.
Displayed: 4:47
